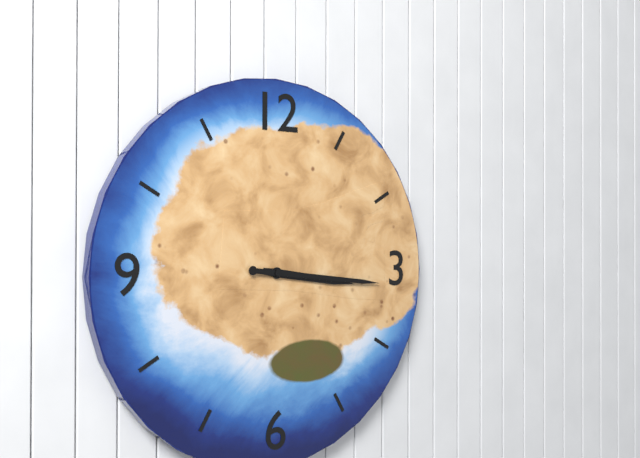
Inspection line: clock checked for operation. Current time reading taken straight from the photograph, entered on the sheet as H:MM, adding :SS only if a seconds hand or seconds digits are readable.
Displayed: 3:16
